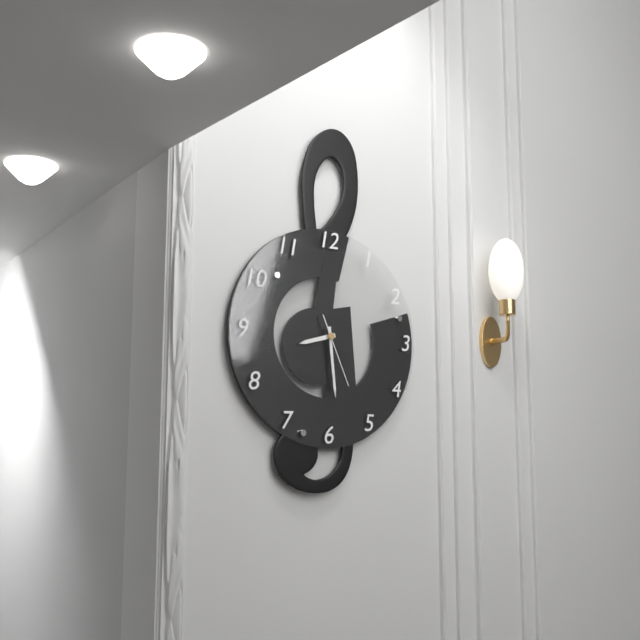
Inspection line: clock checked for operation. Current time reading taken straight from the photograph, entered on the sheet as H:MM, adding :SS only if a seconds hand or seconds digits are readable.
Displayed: 8:29:26
